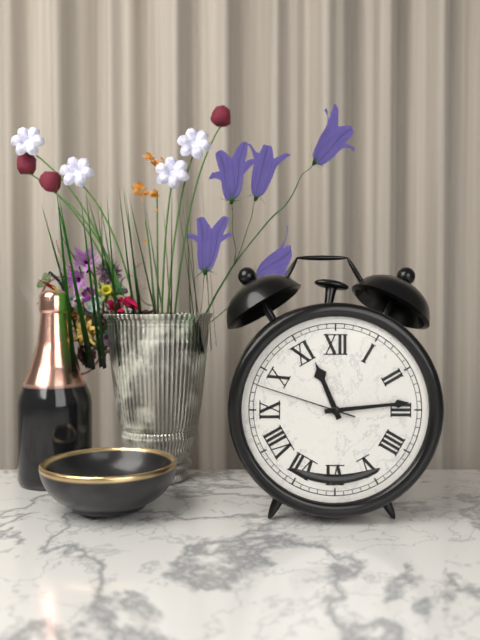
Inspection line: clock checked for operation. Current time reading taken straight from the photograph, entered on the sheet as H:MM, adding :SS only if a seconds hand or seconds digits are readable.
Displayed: 11:14:48
